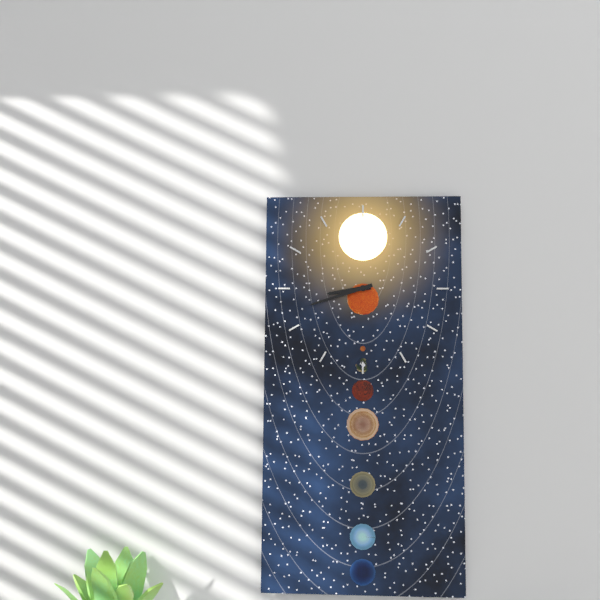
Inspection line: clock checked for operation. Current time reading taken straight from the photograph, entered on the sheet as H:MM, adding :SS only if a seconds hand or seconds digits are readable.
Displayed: 8:42
